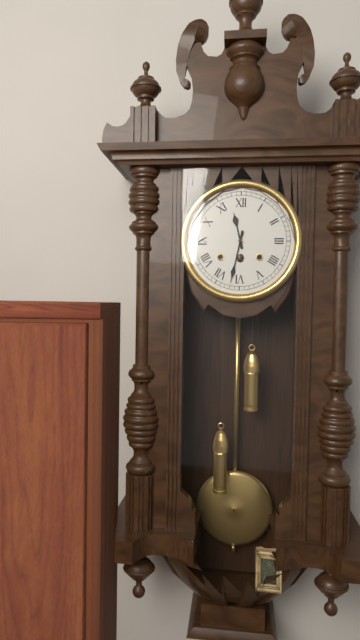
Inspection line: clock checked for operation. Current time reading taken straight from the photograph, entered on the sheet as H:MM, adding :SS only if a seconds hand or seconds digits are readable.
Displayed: 11:32
